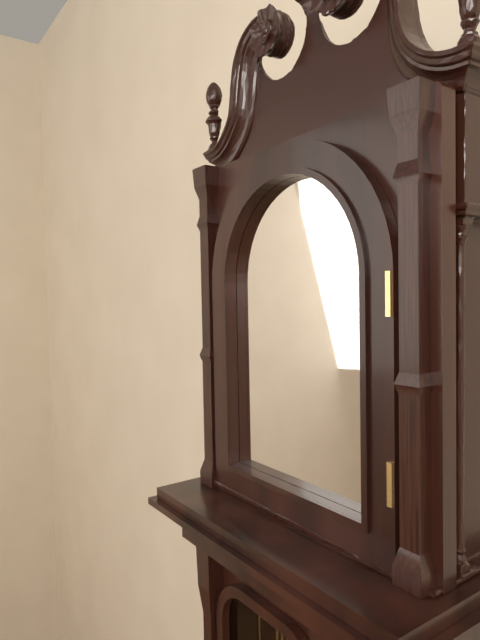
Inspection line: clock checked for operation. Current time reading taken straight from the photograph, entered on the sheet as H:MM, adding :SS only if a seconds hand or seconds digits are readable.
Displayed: 12:57
